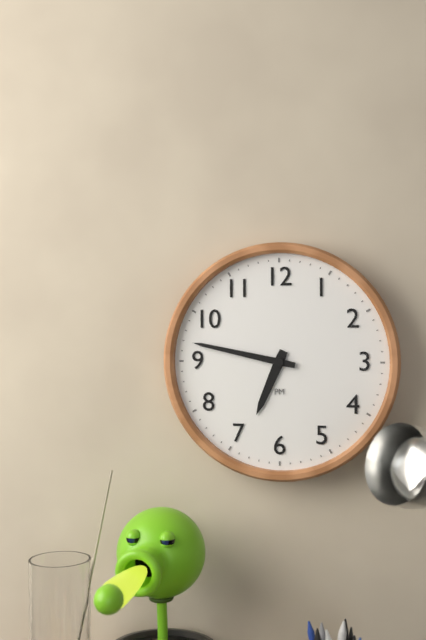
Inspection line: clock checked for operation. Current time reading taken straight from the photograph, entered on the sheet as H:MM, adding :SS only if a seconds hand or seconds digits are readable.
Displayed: 6:47
